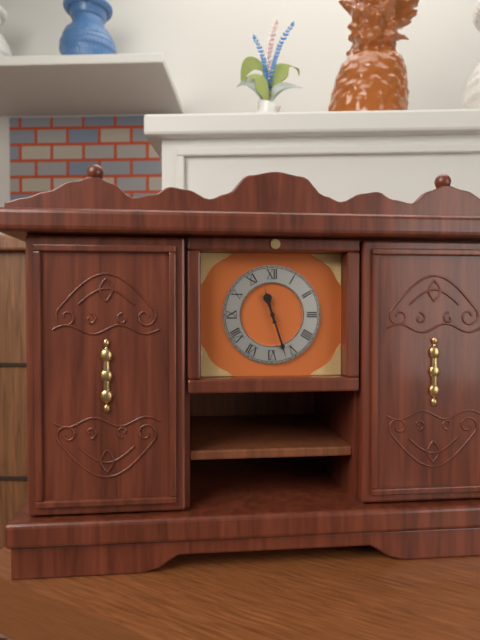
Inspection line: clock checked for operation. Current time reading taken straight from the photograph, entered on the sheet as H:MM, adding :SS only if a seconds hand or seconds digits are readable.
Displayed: 11:27
